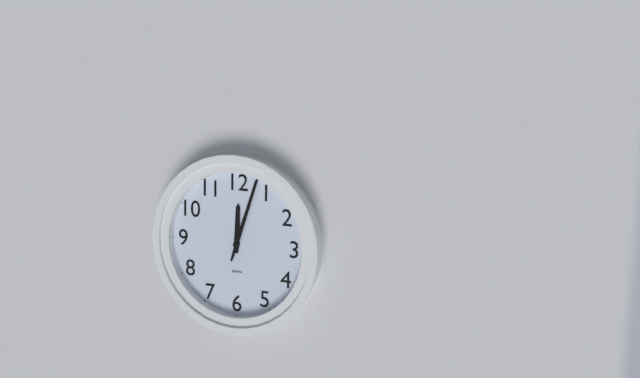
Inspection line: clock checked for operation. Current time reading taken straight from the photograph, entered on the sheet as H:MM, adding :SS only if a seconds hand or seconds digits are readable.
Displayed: 12:03
